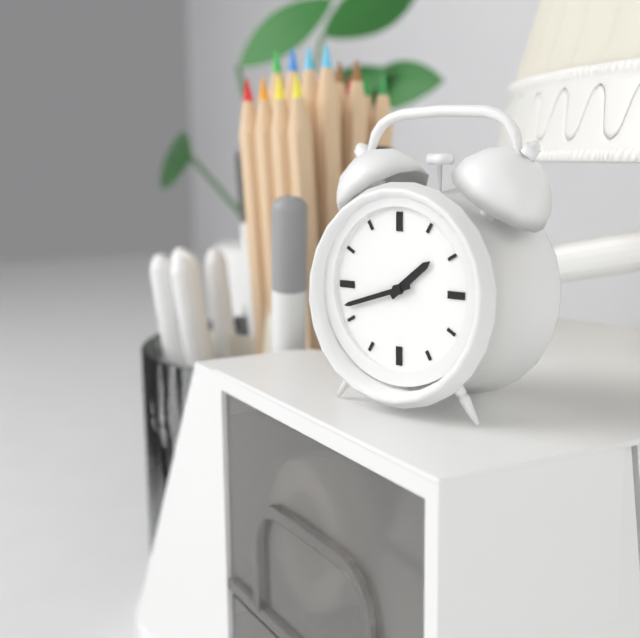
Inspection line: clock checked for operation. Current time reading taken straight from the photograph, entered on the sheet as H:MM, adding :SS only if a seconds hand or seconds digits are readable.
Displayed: 1:42
